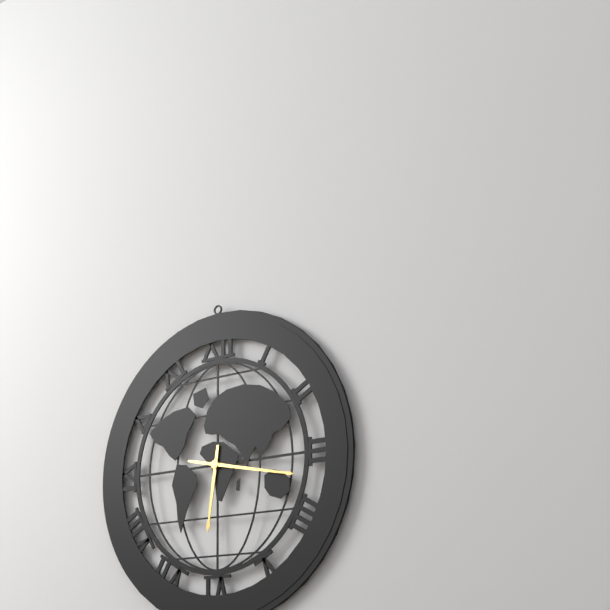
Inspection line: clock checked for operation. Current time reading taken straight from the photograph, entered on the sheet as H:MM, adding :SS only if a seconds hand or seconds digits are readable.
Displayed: 6:17
